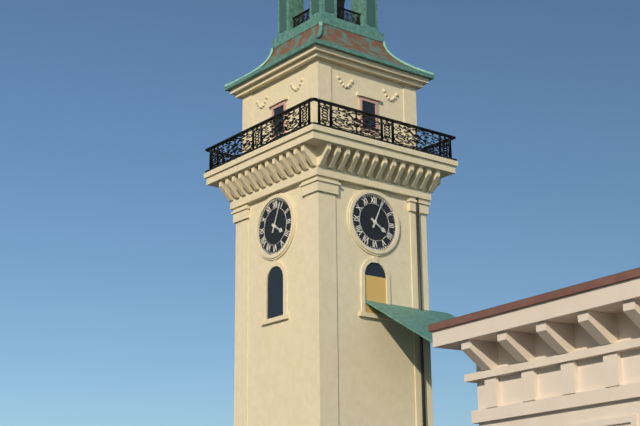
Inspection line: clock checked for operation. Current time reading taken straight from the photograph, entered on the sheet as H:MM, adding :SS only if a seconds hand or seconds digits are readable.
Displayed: 4:04
